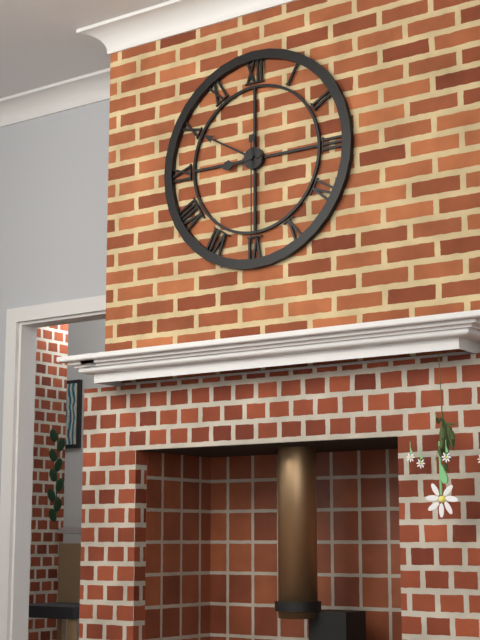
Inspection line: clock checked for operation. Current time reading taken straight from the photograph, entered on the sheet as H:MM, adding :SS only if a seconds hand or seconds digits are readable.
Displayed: 8:50:30
